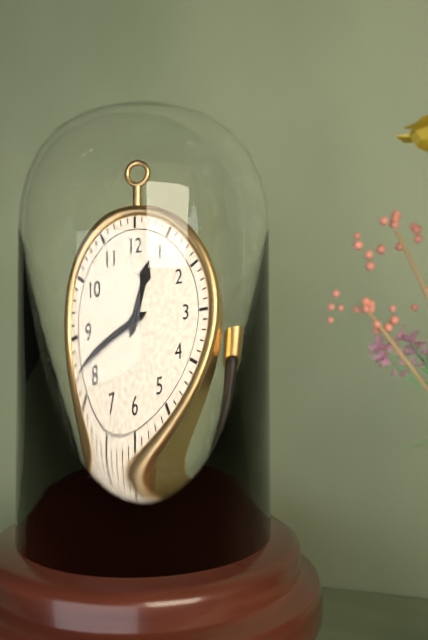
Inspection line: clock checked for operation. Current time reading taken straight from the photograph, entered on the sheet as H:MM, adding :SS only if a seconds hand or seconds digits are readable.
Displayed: 12:42
